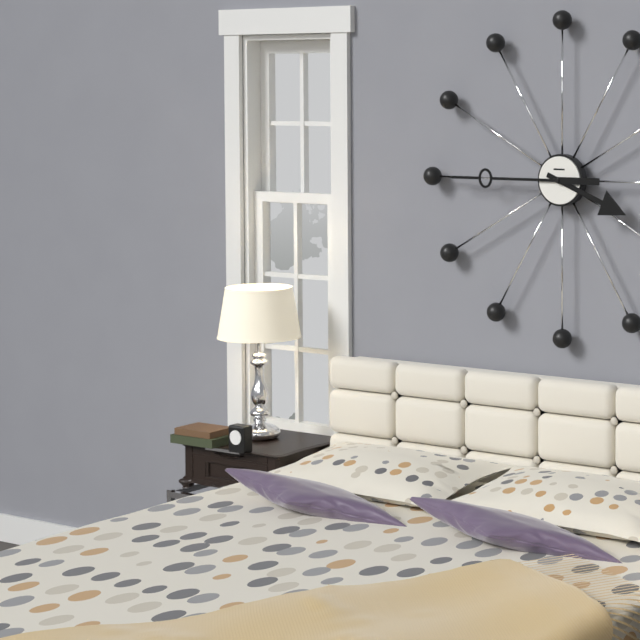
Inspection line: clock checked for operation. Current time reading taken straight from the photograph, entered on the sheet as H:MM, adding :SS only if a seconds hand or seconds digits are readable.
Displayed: 3:45
